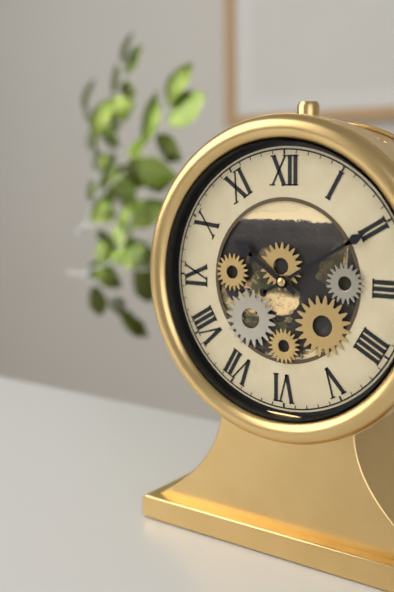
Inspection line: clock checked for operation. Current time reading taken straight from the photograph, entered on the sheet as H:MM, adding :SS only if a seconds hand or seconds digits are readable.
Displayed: 10:10
